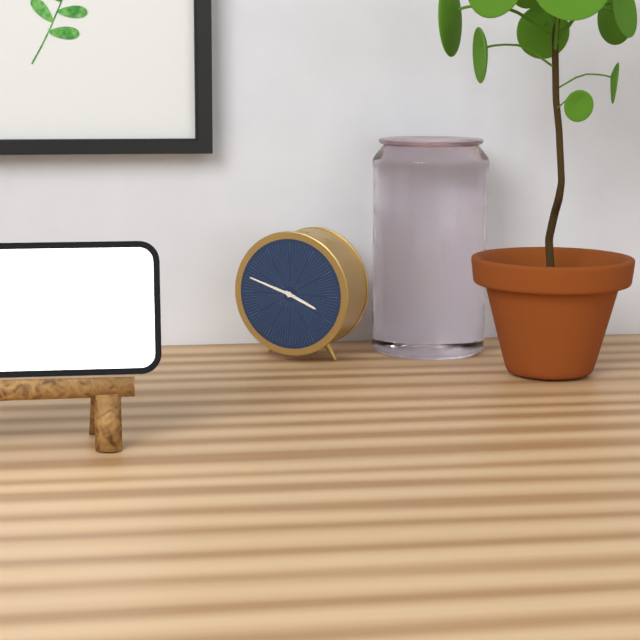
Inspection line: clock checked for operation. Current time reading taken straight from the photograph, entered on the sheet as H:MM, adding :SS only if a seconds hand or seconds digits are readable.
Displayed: 3:48
